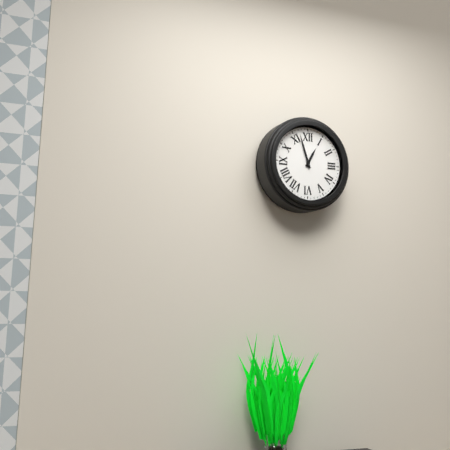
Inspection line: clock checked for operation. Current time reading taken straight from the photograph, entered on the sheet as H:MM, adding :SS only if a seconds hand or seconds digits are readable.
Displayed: 12:57
